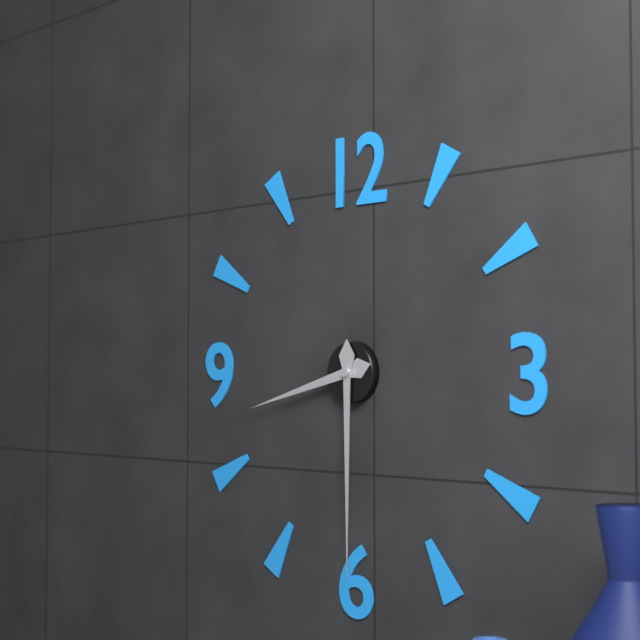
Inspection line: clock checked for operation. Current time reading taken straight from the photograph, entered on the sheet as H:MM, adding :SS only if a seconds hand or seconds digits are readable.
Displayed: 8:30
